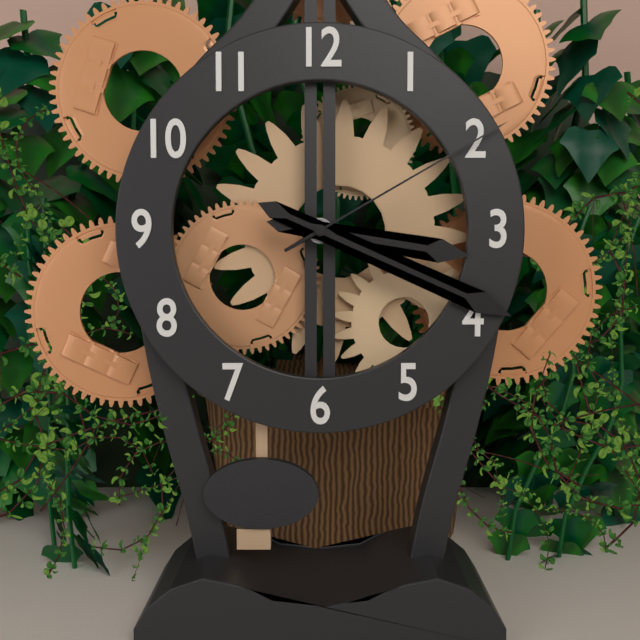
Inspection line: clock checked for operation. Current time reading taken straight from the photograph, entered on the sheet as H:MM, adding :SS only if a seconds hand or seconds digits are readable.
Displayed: 3:19:10
